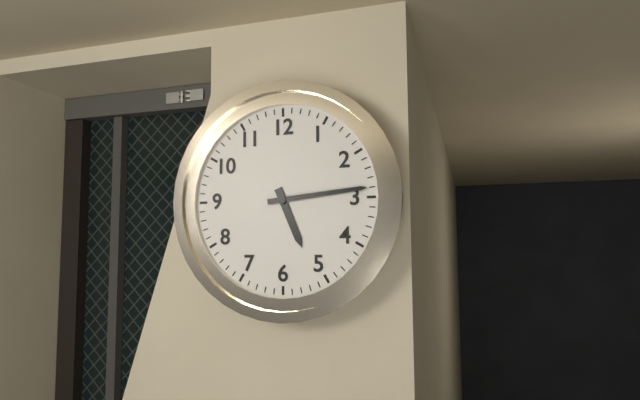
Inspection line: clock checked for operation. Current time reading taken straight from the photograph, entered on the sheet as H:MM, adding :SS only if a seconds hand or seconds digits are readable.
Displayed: 5:14
